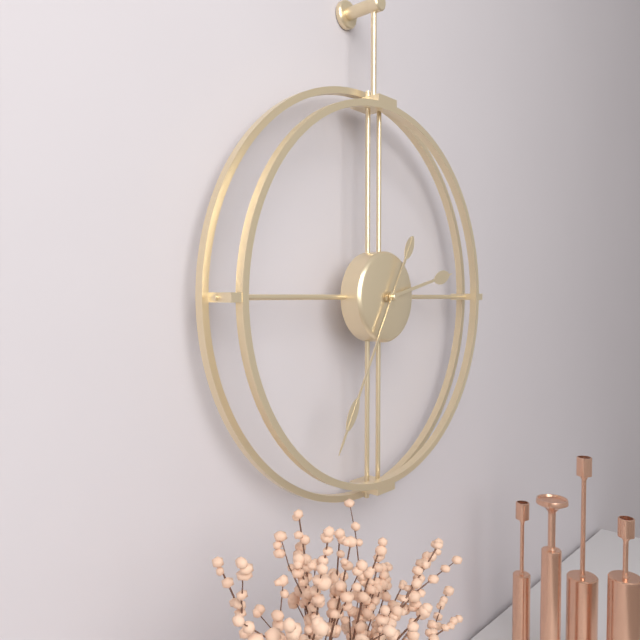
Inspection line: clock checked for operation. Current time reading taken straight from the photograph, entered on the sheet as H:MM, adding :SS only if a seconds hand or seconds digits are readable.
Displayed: 2:35
